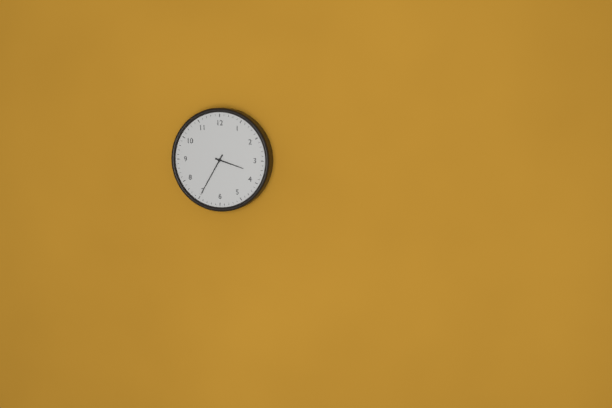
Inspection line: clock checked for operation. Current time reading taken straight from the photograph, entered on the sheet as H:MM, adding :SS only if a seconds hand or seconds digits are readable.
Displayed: 3:35
